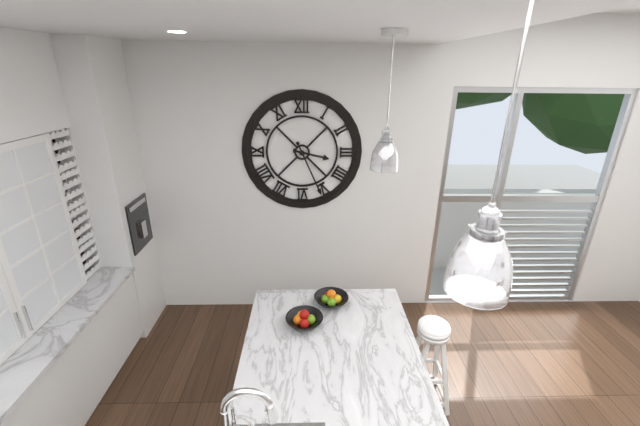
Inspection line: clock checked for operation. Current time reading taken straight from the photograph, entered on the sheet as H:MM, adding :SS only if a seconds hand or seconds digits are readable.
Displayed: 3:26
